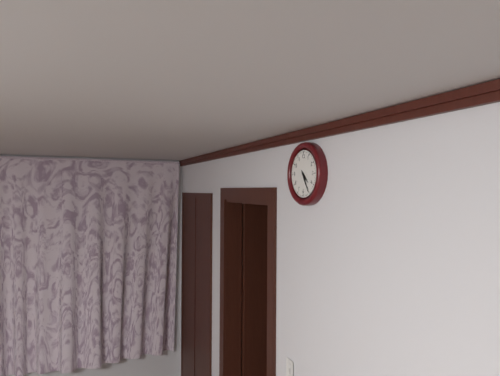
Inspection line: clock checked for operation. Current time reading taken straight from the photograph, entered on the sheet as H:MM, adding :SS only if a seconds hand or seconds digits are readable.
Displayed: 4:25
